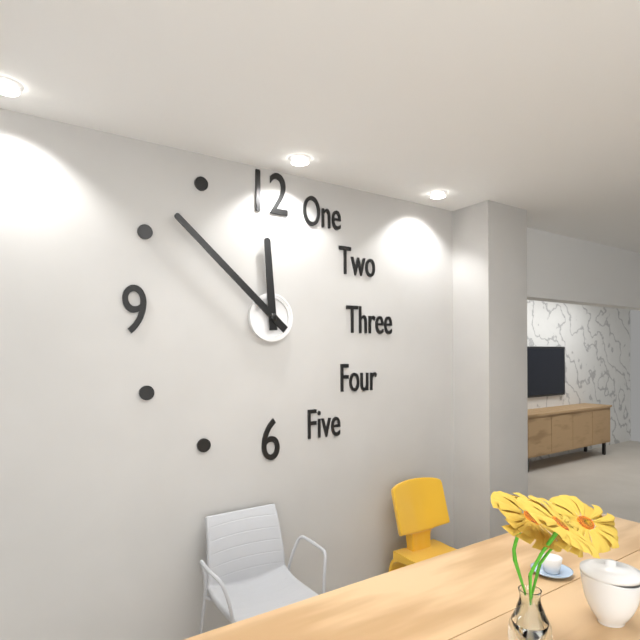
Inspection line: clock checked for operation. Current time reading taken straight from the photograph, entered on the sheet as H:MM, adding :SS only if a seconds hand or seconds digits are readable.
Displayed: 11:52
